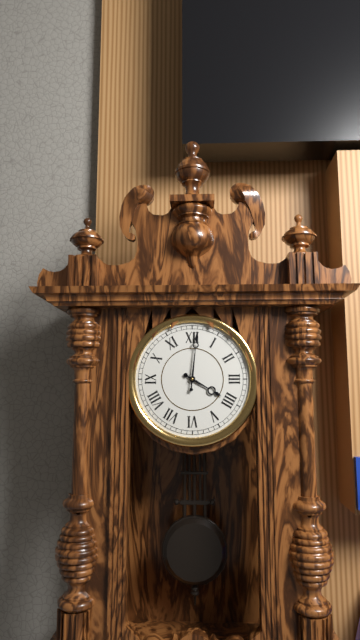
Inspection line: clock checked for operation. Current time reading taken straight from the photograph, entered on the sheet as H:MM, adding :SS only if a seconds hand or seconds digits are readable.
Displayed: 4:01
